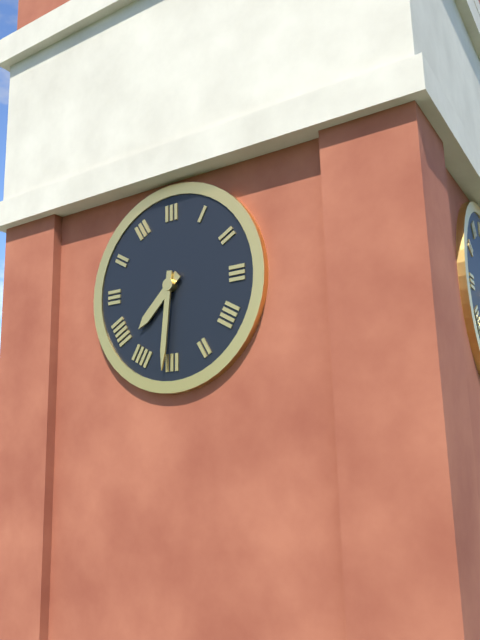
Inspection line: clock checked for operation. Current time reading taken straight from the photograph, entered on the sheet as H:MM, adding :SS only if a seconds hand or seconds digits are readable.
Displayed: 7:31
